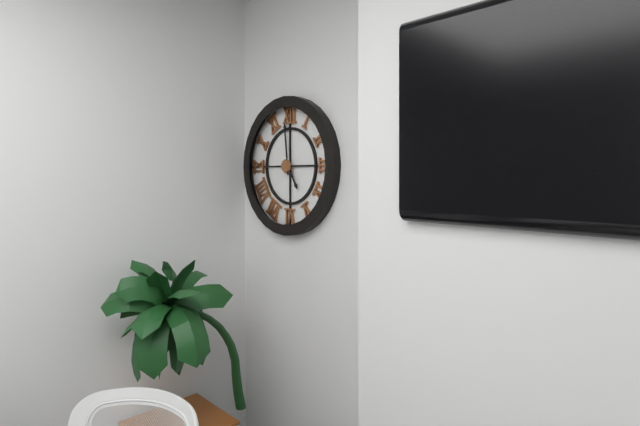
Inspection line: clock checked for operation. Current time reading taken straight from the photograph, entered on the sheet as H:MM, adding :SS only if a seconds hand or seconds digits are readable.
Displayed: 4:59
